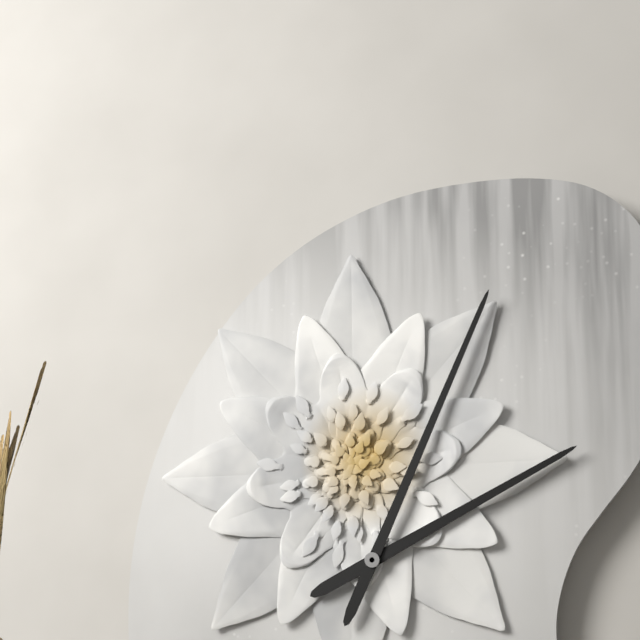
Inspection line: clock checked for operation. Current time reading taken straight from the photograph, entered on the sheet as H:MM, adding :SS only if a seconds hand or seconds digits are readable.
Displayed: 2:04
